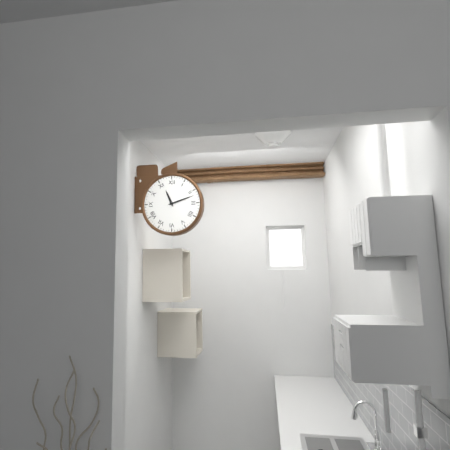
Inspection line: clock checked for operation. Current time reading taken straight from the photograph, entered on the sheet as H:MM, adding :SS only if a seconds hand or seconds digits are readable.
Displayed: 11:12
